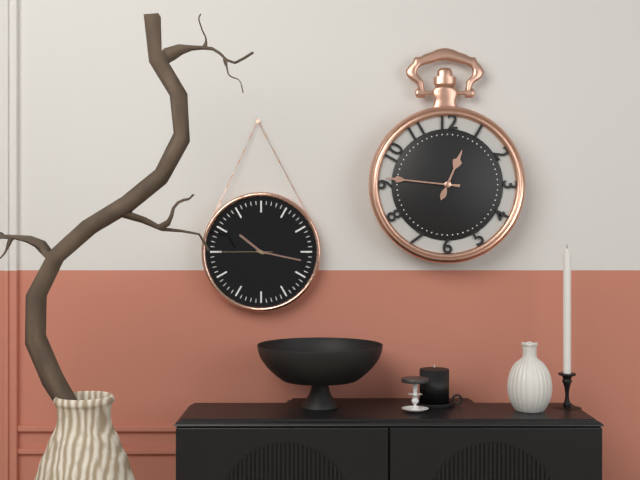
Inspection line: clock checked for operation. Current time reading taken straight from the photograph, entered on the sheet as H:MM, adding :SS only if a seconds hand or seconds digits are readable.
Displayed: 12:46
